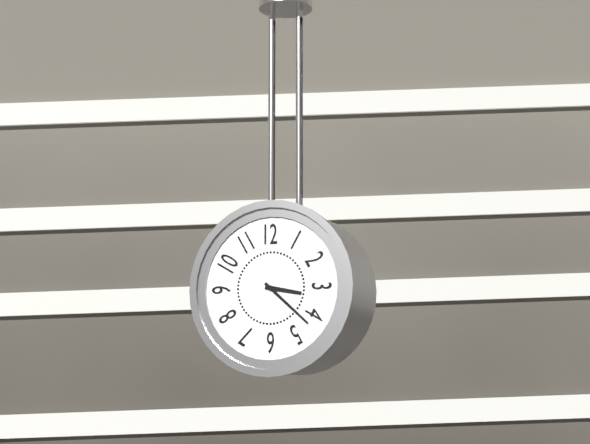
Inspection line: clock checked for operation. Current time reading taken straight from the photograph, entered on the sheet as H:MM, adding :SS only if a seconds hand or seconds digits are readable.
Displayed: 3:22
